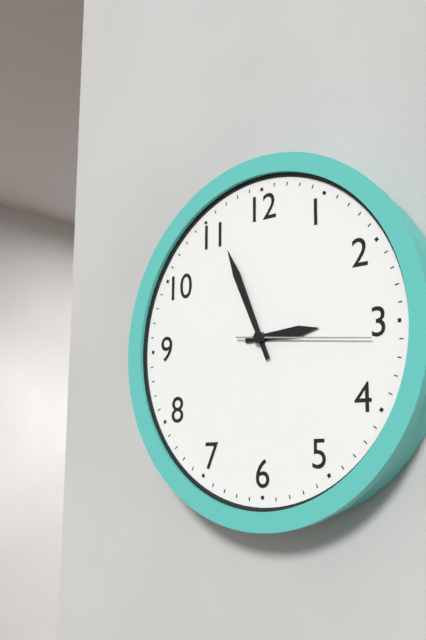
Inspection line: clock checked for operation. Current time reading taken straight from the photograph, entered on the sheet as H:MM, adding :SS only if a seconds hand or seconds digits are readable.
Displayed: 2:56:16
